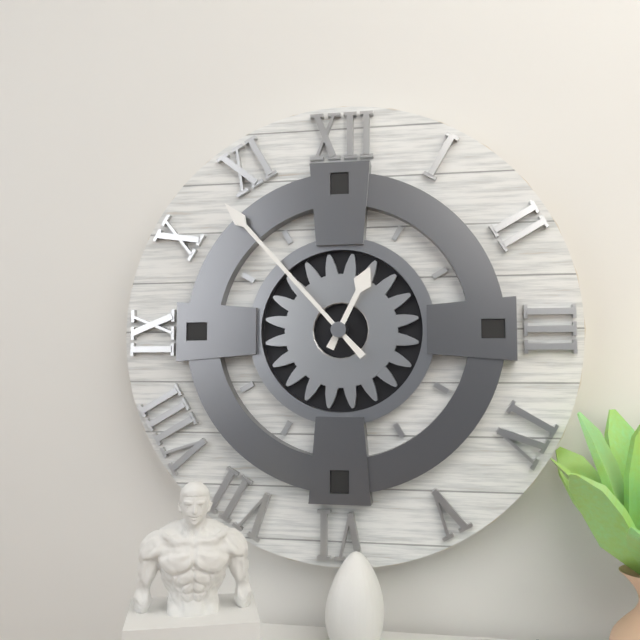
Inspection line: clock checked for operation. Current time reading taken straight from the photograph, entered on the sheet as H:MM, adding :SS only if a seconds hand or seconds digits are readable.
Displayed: 12:53
